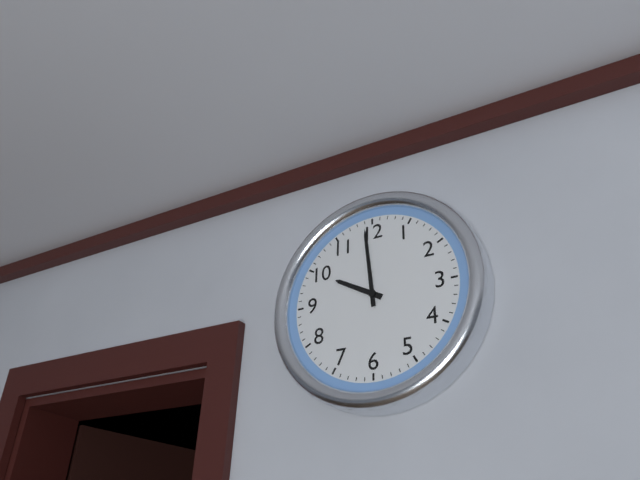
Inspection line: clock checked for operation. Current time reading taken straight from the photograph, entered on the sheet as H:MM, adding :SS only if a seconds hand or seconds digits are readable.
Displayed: 9:59
